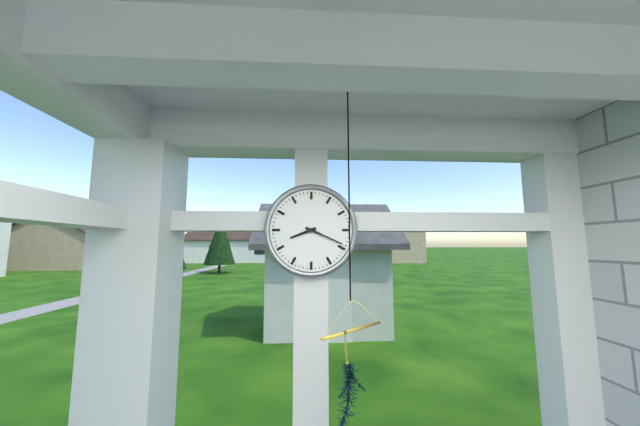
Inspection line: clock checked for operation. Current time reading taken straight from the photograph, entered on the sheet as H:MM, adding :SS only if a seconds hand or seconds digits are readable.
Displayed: 8:19
